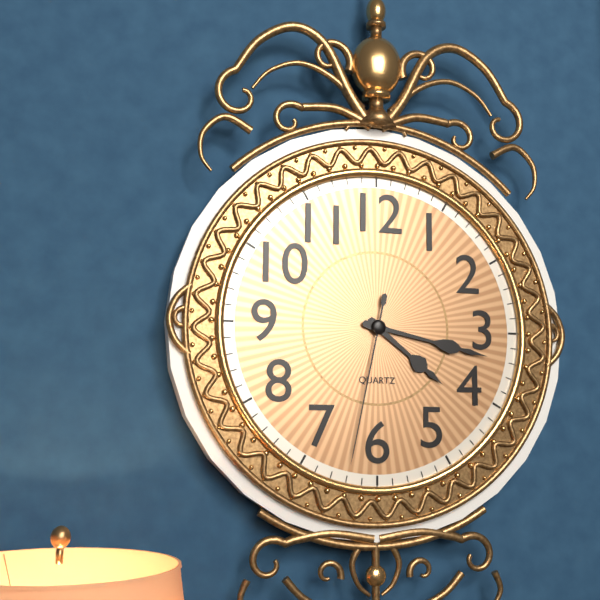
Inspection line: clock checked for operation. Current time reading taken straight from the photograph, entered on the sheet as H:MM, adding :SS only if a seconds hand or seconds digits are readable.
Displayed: 4:17:32
